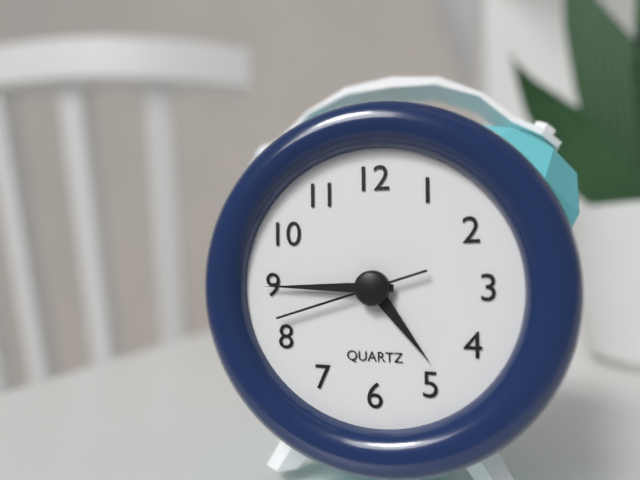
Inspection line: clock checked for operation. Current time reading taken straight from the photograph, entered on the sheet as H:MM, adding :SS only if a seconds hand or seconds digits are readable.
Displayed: 4:45:42
